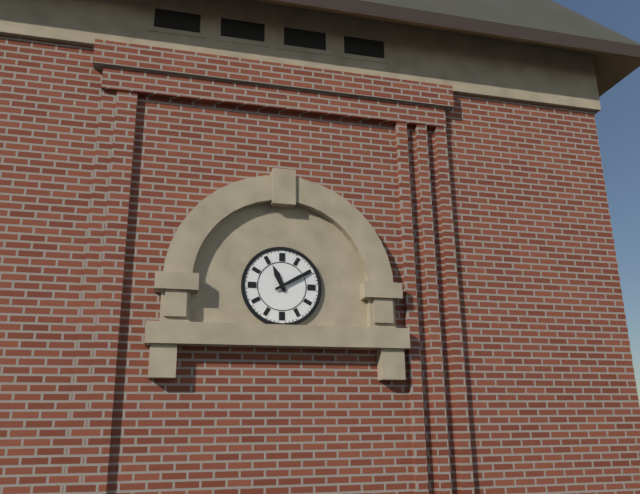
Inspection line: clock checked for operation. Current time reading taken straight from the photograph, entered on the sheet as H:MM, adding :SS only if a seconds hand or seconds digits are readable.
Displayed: 11:10
